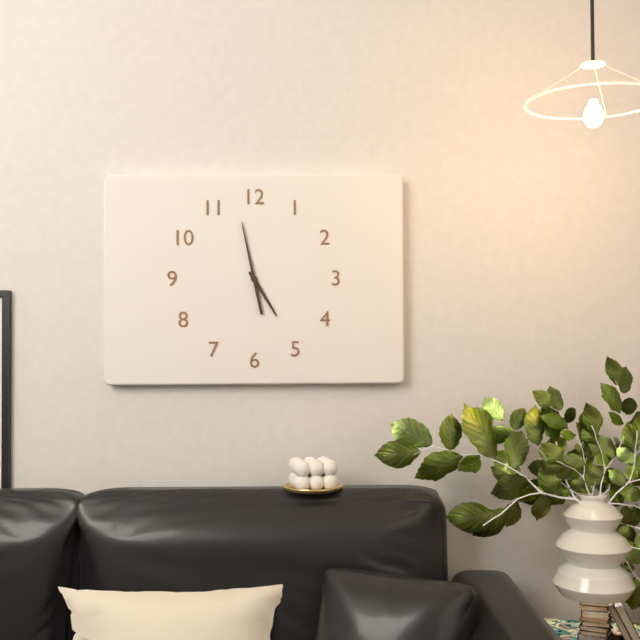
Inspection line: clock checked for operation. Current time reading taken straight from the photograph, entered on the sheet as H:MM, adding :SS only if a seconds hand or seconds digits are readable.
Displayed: 4:58
